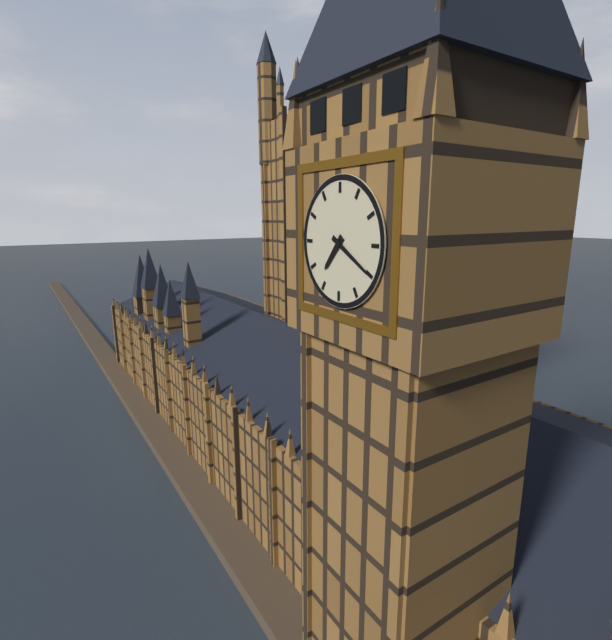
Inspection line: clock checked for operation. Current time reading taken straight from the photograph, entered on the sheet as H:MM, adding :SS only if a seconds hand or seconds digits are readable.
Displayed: 7:20
